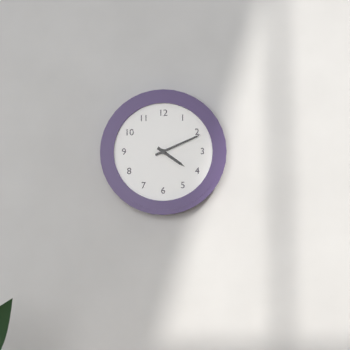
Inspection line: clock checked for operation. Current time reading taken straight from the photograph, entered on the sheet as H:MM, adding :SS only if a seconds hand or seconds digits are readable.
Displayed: 4:11
